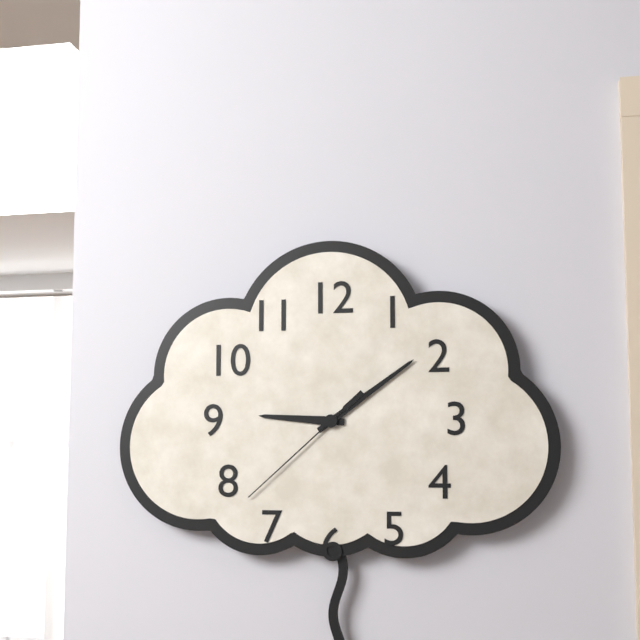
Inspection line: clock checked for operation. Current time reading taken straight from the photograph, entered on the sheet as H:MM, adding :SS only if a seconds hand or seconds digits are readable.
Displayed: 9:09:38
